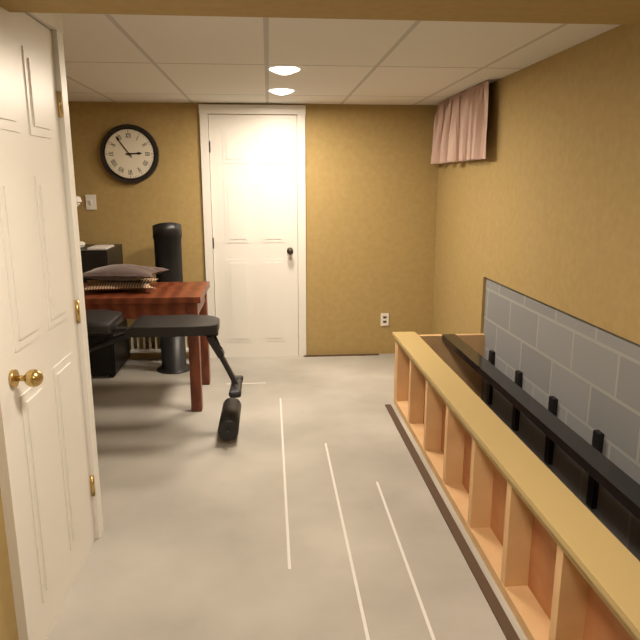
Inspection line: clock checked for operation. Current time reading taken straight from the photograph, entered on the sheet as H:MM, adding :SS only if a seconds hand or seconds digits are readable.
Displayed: 2:54
